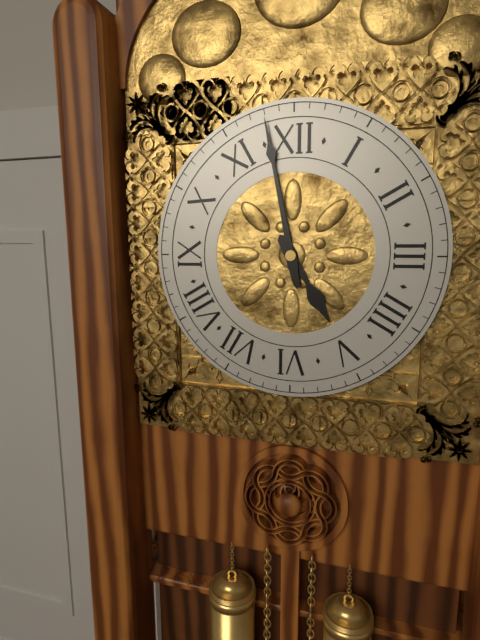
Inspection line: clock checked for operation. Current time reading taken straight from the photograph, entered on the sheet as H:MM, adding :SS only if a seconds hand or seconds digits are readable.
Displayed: 4:58
